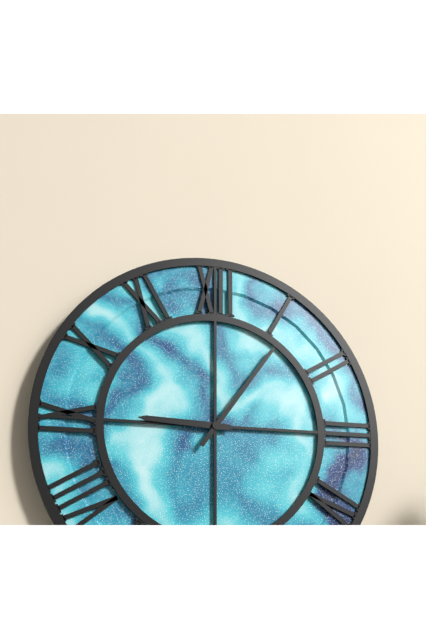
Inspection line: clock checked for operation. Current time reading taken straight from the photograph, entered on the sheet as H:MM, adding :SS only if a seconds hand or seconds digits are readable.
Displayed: 9:06
